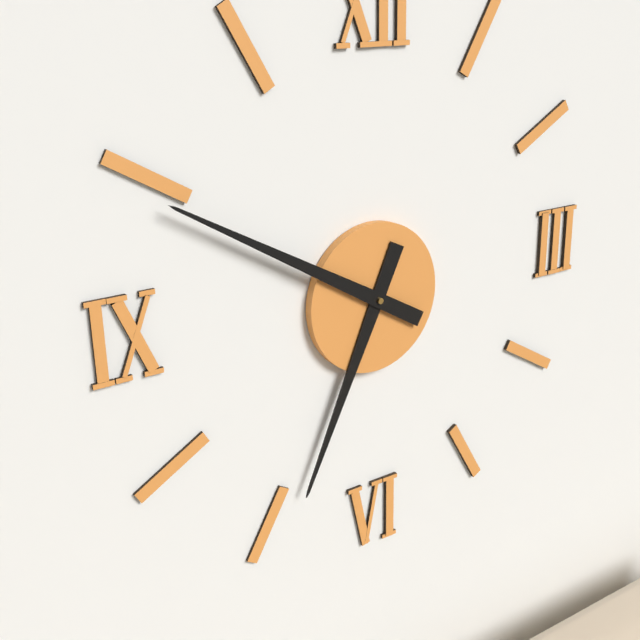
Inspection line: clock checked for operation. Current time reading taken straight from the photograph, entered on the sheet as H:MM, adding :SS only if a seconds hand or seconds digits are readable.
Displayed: 6:50
